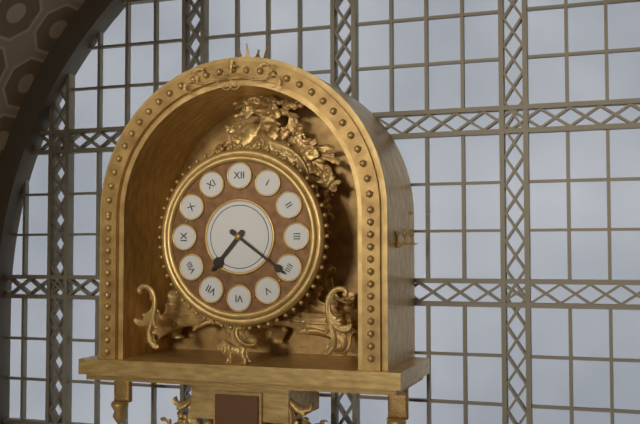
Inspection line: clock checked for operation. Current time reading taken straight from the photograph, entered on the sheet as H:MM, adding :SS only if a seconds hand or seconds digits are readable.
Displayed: 7:21
